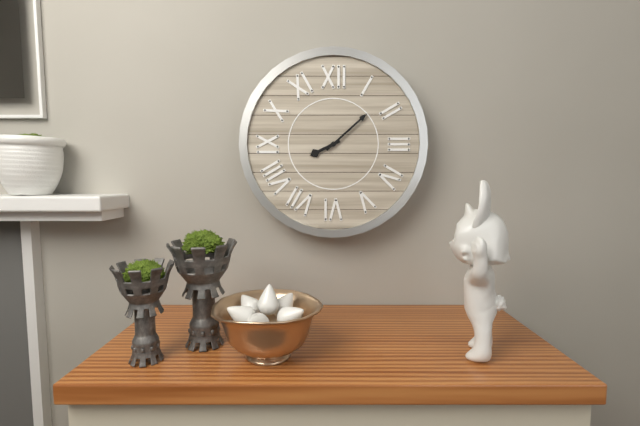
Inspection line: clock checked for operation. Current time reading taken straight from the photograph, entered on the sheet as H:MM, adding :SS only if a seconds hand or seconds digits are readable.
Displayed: 8:08
